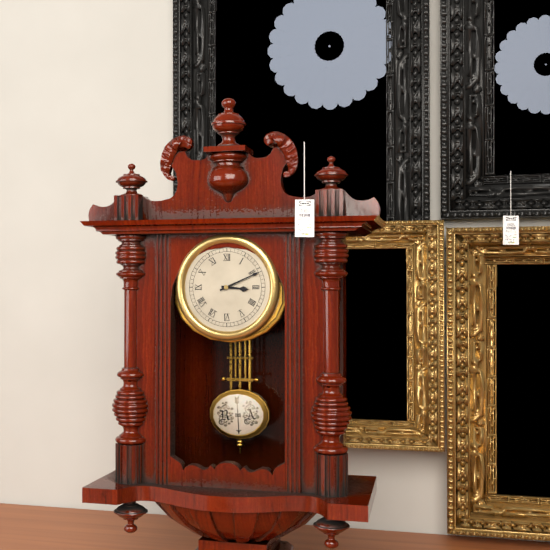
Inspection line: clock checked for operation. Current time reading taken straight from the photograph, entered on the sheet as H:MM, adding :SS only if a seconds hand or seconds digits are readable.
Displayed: 3:11
